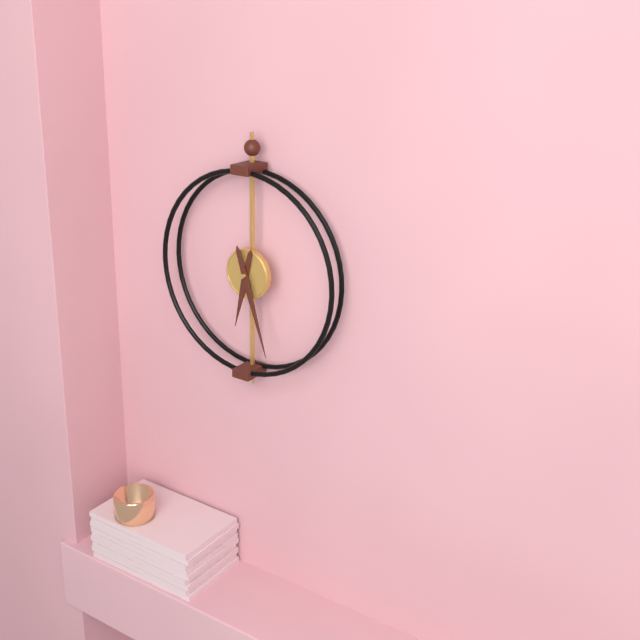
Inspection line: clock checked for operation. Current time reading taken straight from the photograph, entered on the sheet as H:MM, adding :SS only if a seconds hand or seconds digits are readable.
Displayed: 6:27
